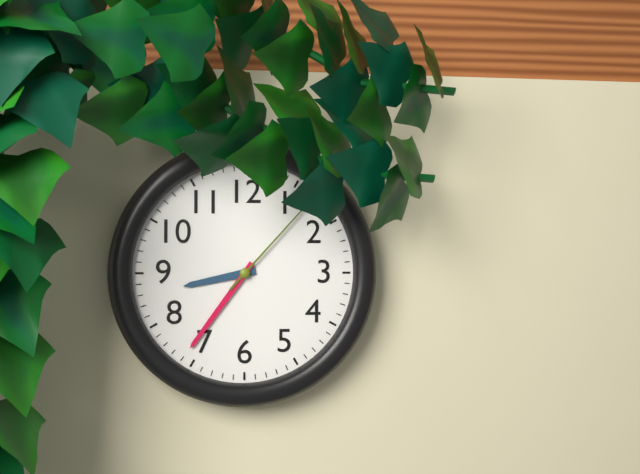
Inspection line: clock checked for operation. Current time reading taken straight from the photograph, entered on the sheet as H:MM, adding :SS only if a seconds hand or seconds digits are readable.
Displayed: 8:36:07
